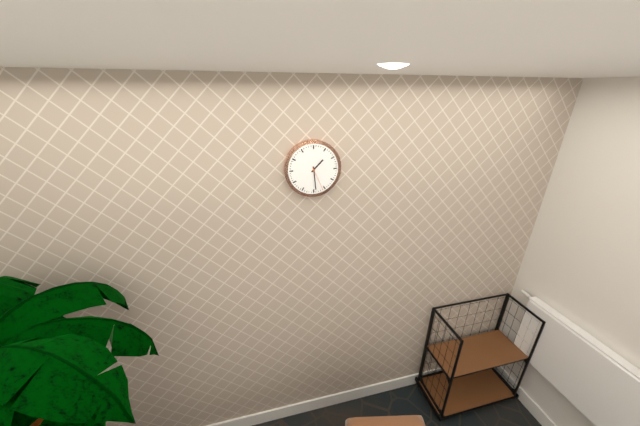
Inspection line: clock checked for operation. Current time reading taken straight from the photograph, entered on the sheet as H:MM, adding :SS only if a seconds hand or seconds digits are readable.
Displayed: 1:29
